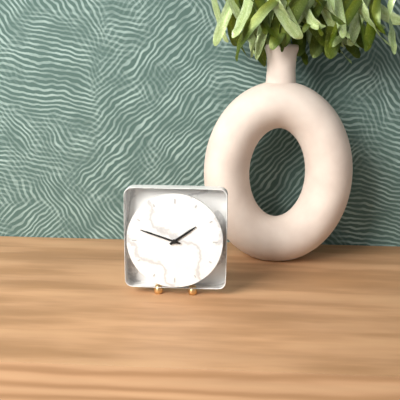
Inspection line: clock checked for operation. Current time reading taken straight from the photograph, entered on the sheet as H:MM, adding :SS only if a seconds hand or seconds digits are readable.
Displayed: 1:48
